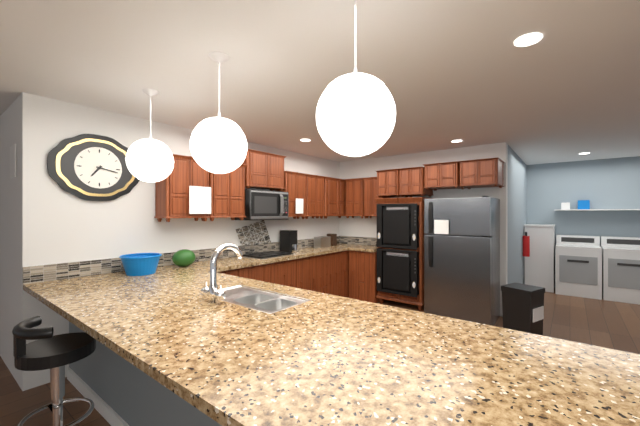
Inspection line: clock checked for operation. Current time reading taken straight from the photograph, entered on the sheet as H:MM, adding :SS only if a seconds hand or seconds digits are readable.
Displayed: 7:17
